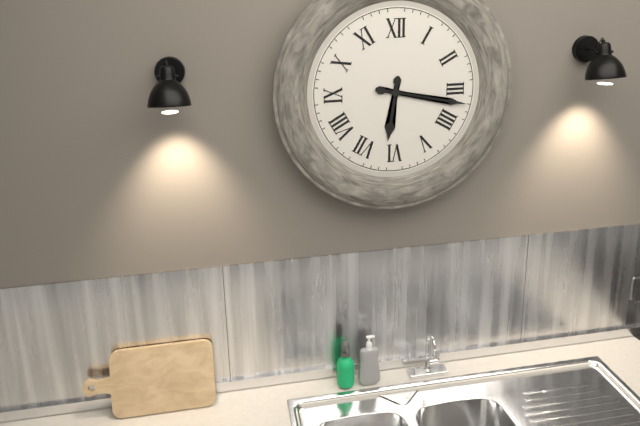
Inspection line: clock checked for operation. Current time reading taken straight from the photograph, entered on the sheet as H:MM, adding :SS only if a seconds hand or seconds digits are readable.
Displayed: 6:17
